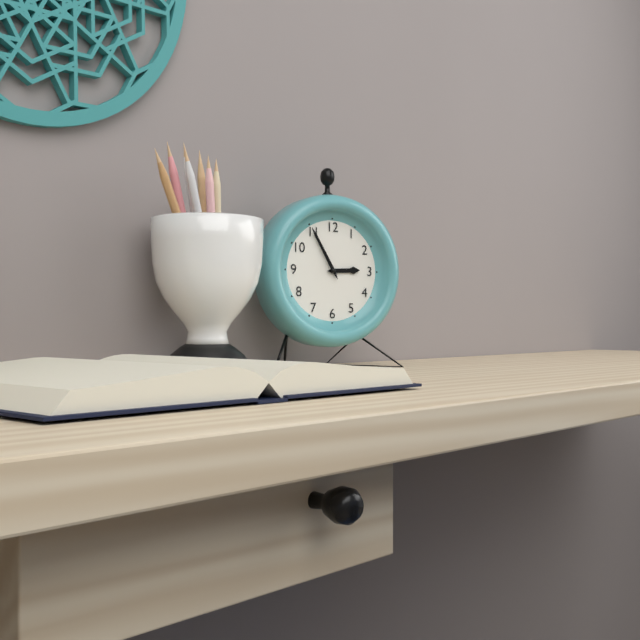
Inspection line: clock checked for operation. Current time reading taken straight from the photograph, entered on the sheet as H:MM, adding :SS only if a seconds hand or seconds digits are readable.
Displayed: 2:55
